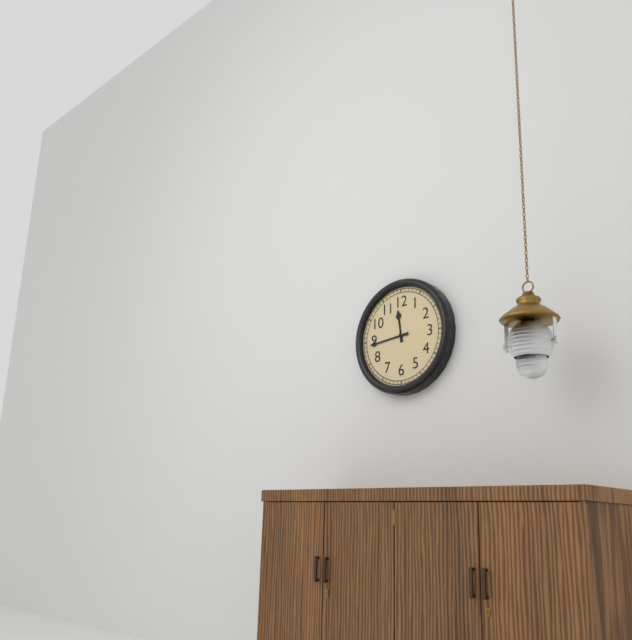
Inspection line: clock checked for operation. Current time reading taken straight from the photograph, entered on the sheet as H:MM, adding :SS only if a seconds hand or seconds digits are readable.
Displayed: 11:44
